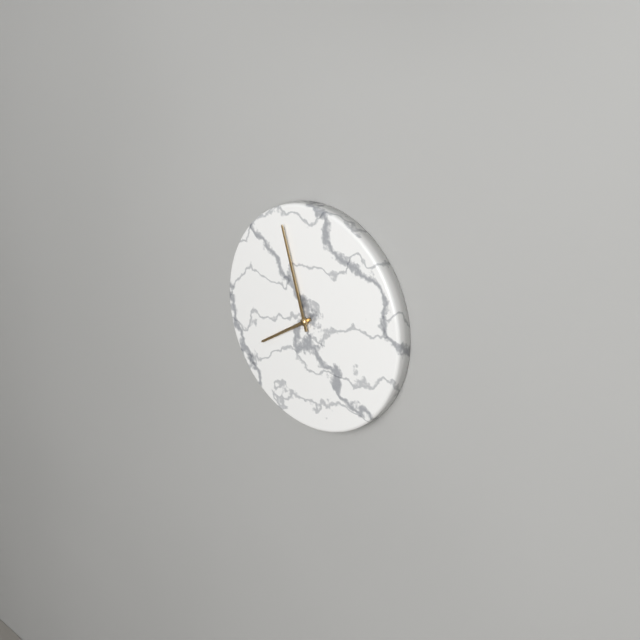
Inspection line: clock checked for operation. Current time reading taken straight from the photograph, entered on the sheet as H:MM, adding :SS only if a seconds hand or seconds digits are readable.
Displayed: 7:57
